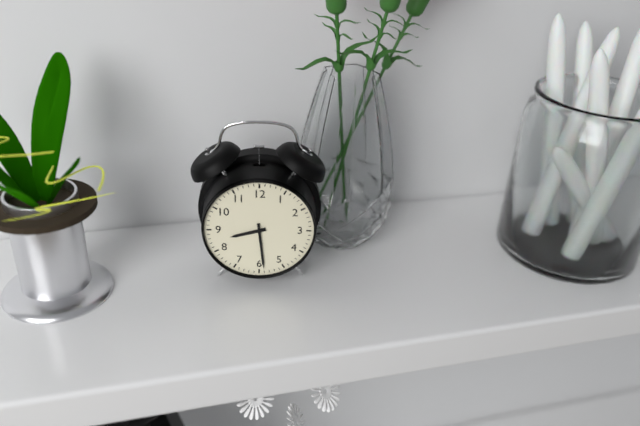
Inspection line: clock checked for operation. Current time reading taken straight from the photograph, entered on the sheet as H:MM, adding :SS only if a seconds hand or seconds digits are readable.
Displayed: 8:29
